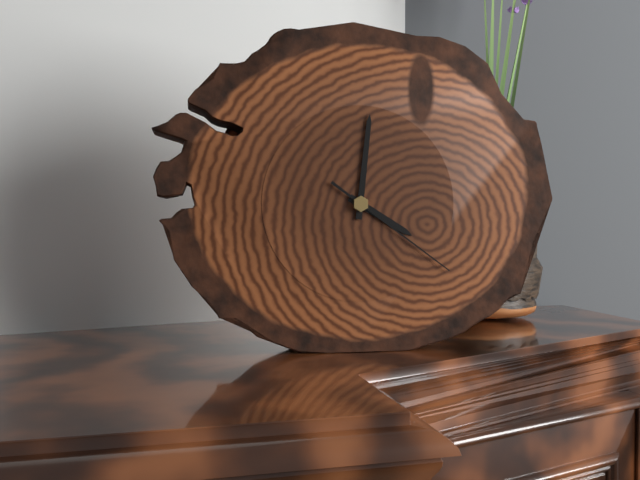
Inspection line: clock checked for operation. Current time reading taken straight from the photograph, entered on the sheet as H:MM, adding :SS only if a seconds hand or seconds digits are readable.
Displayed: 4:01:21
